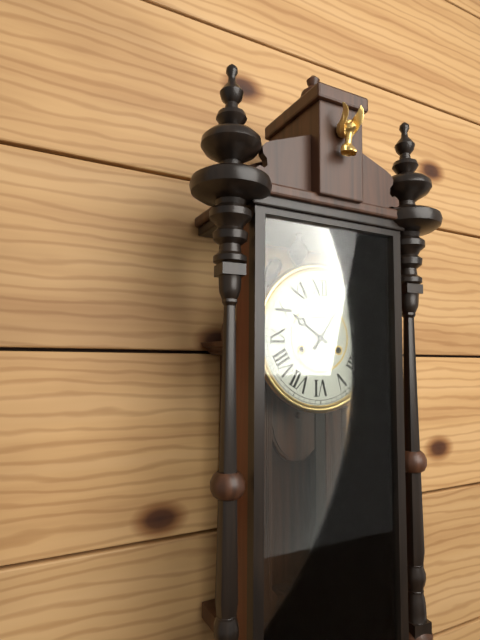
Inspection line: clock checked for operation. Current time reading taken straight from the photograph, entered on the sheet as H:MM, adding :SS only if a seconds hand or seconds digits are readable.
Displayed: 10:06
